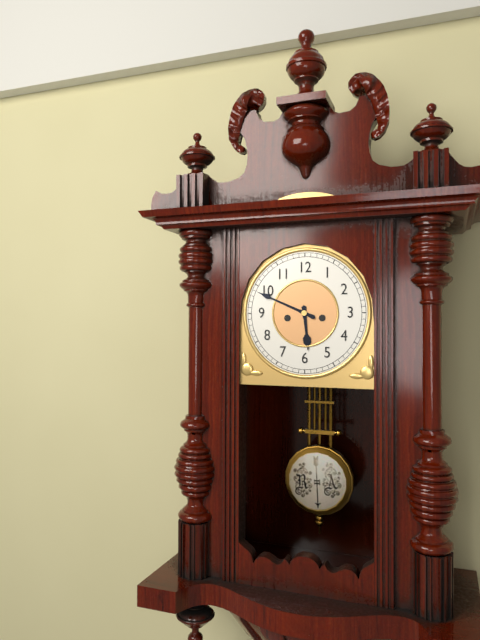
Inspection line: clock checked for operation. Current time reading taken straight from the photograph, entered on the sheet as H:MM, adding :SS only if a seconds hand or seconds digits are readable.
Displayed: 5:49
